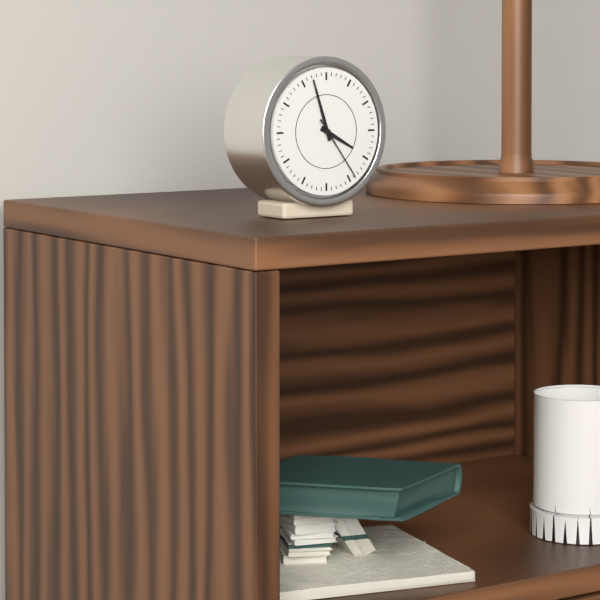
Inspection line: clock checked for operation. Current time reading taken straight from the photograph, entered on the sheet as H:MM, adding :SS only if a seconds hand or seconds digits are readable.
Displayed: 3:57:24
